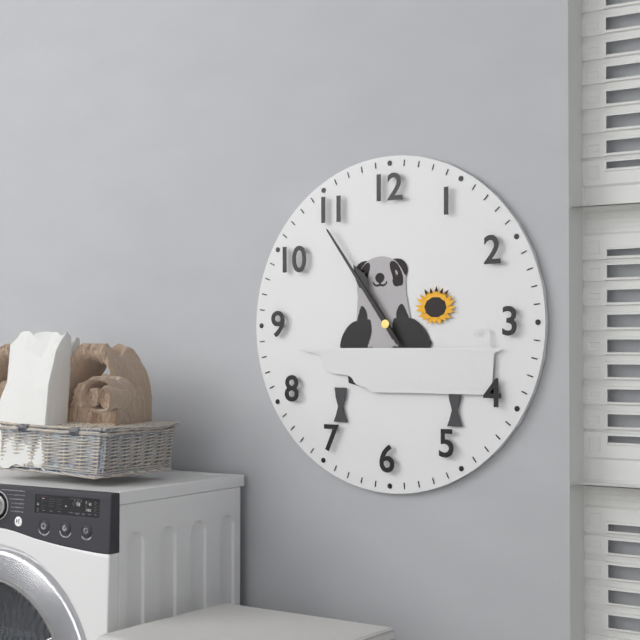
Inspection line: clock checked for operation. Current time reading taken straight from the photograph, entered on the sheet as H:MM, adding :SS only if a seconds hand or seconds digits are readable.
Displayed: 10:54
